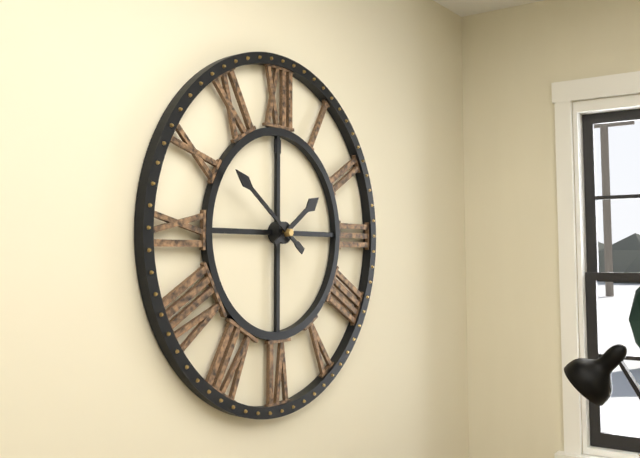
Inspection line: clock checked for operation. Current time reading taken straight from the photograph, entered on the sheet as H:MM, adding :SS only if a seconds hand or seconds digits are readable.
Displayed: 1:51
